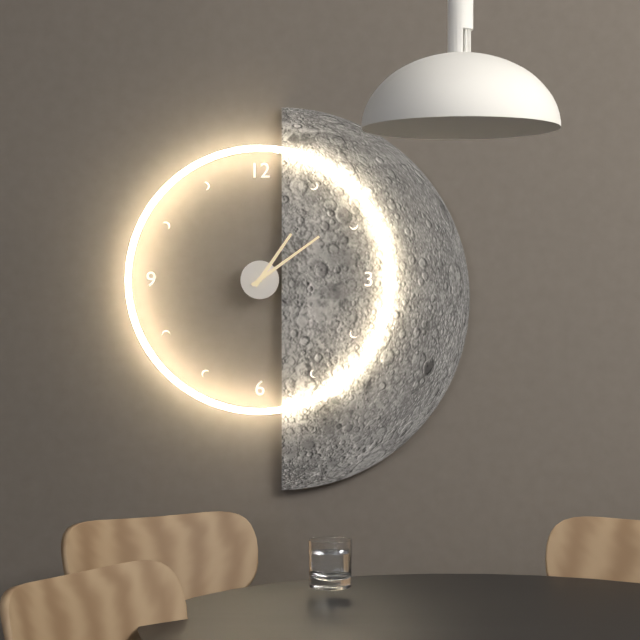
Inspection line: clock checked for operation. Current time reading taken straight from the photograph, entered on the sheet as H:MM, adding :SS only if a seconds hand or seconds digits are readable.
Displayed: 1:09
